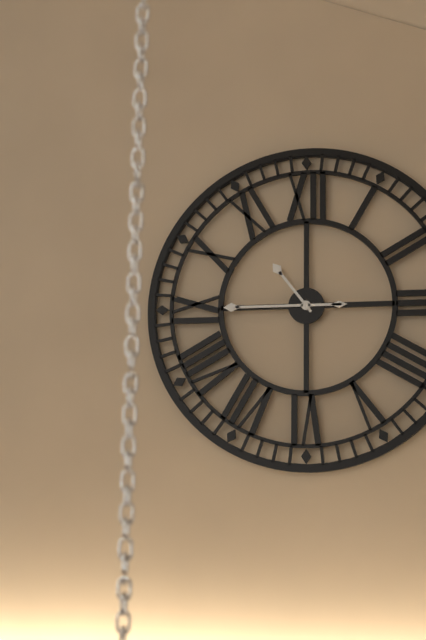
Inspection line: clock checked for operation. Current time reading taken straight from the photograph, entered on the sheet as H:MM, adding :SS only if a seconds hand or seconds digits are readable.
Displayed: 10:45
